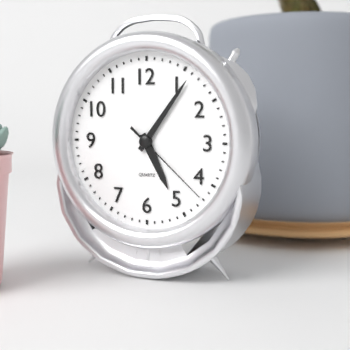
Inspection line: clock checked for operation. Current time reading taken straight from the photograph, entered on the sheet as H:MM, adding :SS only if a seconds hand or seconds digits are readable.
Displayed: 5:06:22
